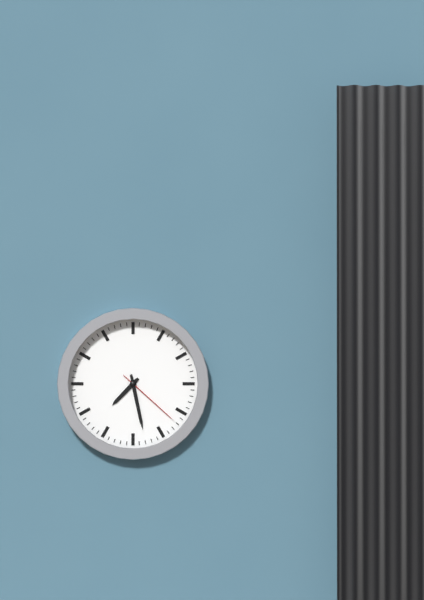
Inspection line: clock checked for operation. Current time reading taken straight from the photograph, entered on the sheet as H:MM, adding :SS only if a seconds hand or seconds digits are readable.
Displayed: 7:28:22
